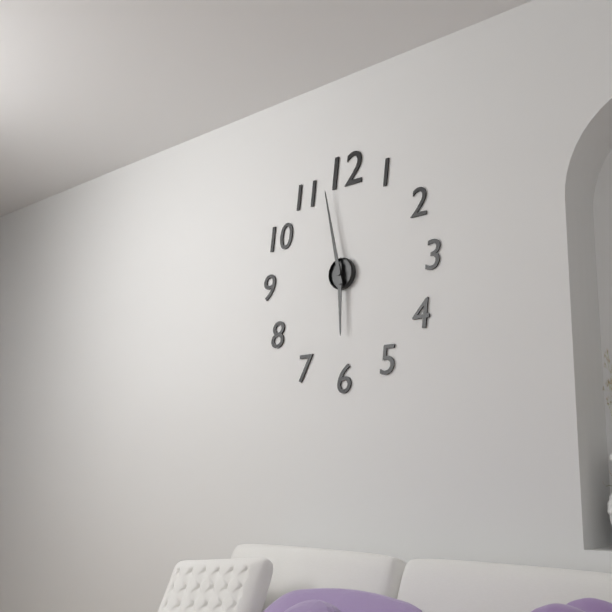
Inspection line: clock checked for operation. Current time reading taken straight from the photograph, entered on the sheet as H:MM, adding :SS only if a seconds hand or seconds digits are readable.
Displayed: 5:58
